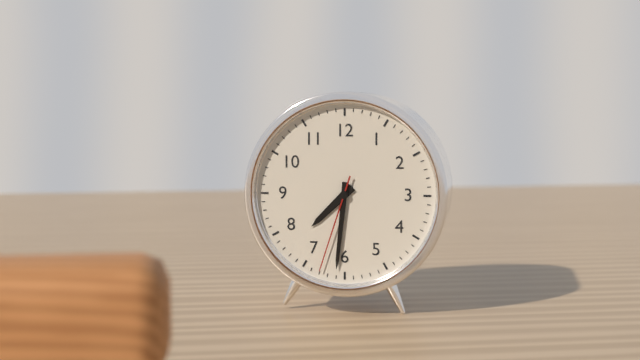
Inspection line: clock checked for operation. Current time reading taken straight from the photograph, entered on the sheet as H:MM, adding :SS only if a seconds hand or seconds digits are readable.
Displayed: 7:31:33
